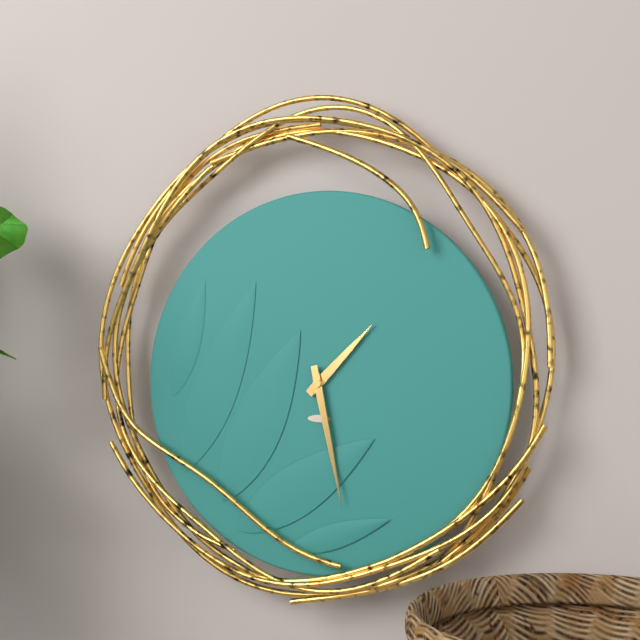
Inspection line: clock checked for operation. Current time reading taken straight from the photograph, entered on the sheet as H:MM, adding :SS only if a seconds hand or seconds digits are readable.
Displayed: 1:28
